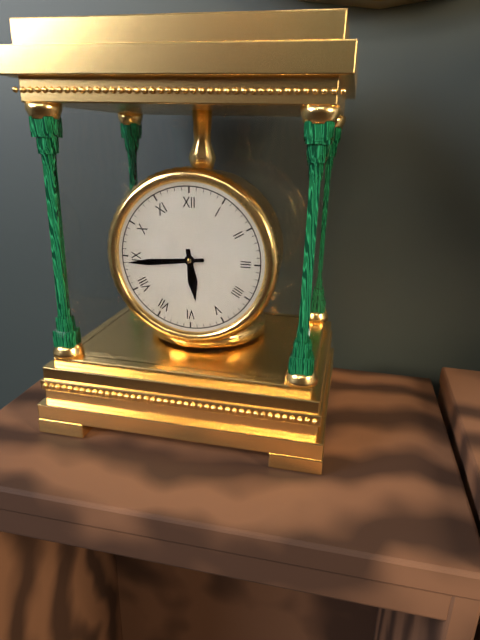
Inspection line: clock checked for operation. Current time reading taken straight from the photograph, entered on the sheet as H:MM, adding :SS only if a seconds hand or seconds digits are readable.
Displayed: 5:44
